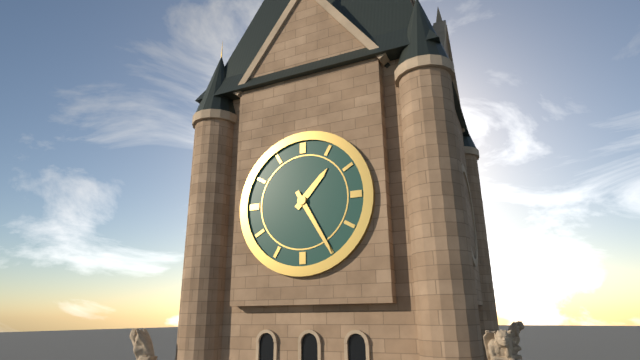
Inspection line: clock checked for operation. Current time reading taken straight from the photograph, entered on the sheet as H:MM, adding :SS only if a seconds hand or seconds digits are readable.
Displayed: 1:25
